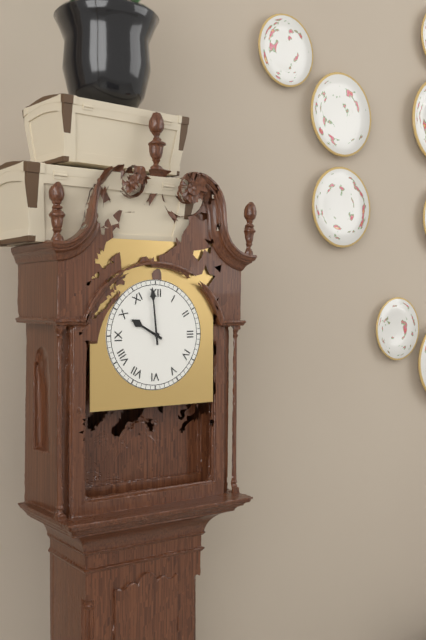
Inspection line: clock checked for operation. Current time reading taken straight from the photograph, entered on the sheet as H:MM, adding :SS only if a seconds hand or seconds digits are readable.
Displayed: 9:59
